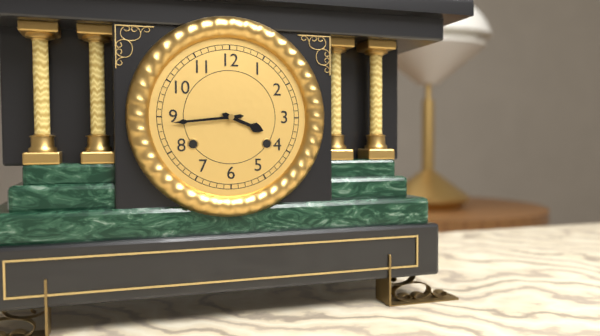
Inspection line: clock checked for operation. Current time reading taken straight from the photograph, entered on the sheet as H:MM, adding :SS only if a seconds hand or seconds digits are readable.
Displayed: 3:44
